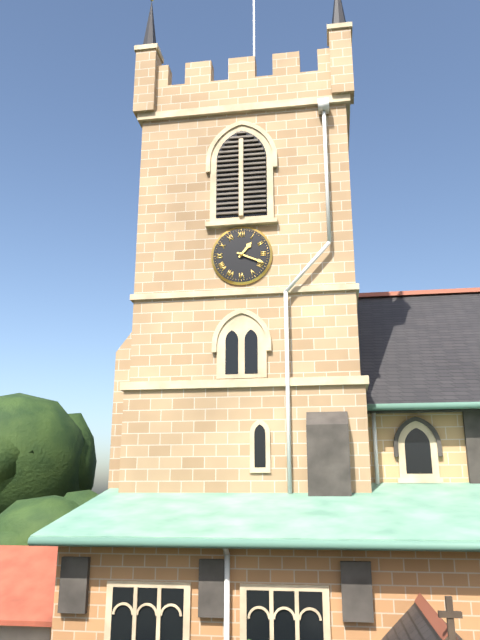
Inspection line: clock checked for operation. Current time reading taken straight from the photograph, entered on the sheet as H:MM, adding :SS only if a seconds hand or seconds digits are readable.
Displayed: 1:19
